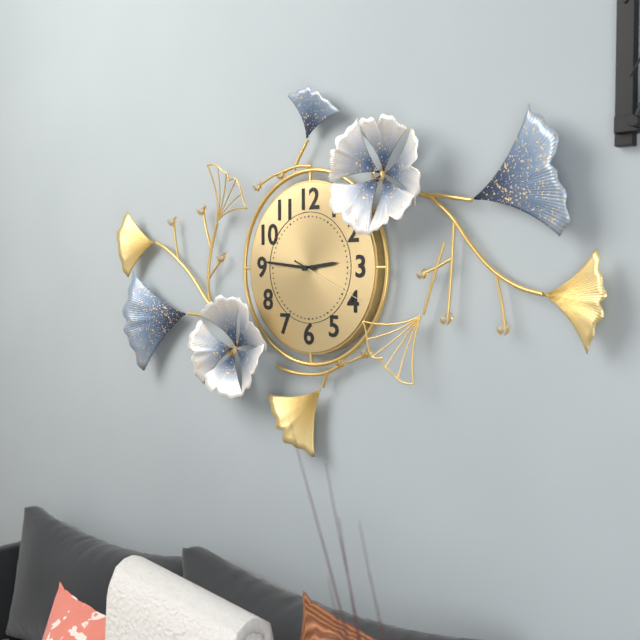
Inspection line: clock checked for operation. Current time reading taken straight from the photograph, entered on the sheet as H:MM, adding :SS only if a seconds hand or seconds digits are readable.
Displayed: 2:46:19
